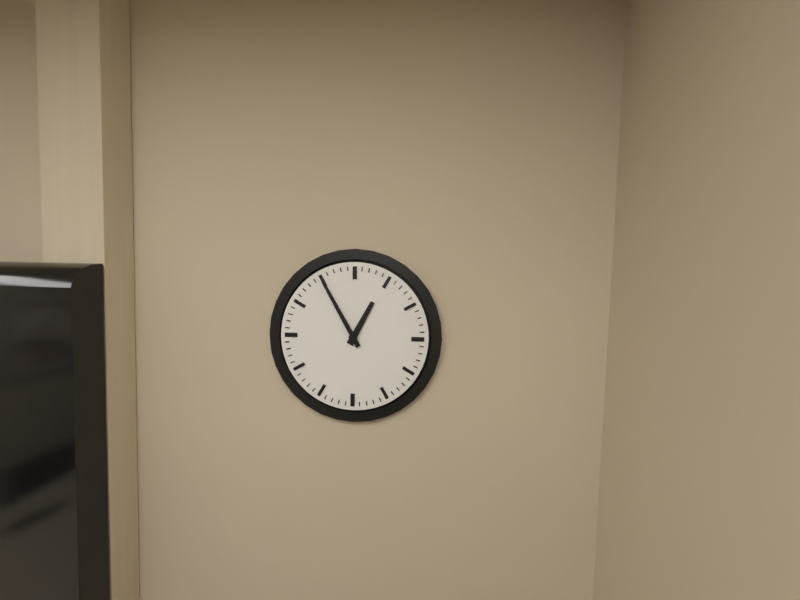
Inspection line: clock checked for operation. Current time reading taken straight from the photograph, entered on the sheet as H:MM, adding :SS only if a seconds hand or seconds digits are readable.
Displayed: 12:55
